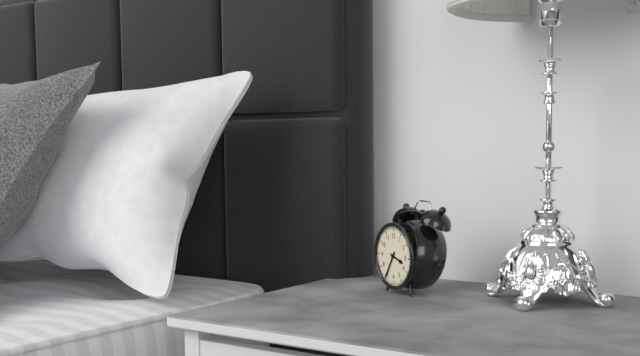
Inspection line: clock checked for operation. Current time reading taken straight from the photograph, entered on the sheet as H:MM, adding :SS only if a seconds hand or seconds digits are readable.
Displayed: 3:35
